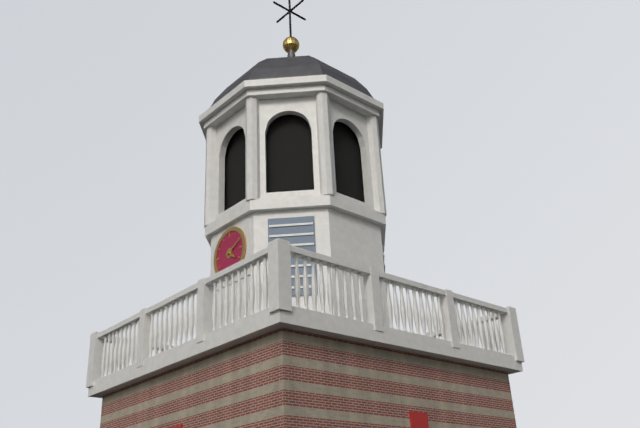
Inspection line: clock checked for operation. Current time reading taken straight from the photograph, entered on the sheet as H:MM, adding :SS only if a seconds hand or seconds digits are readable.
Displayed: 4:11
